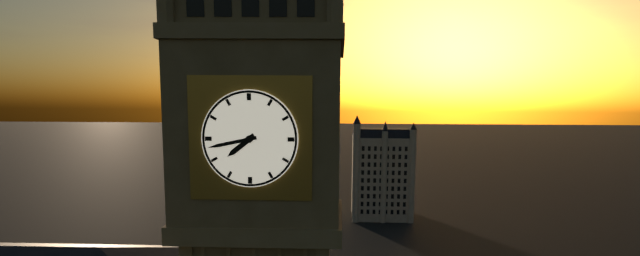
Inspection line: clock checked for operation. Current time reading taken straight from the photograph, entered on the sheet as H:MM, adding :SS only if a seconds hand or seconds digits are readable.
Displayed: 7:43
